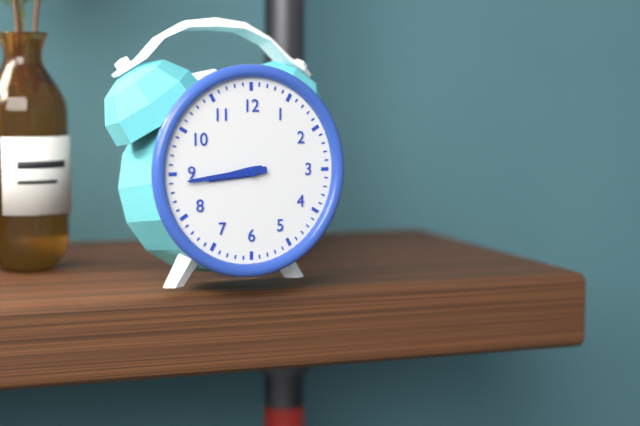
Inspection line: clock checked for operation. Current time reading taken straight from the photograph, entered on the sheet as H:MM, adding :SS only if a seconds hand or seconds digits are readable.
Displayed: 8:44
